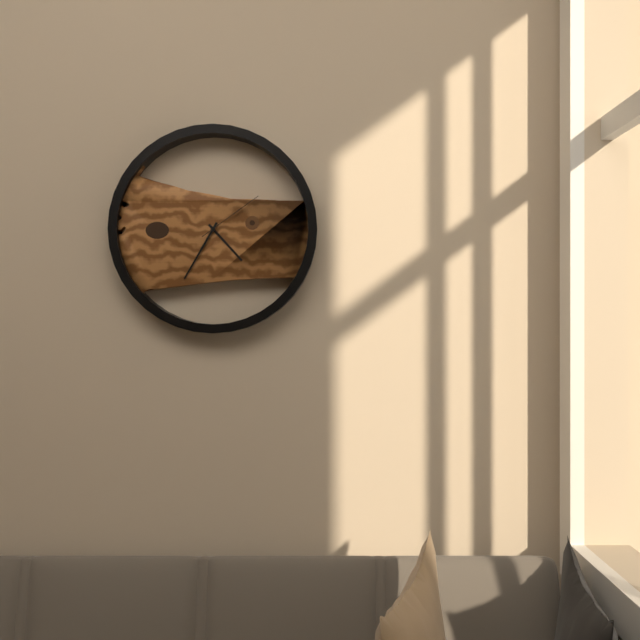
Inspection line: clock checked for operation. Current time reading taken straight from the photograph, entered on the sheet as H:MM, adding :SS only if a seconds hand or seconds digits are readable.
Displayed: 4:35:09
